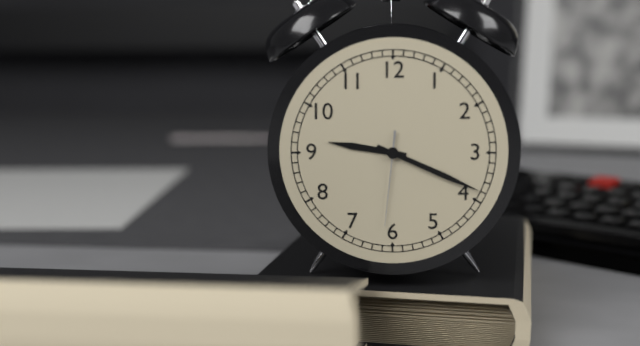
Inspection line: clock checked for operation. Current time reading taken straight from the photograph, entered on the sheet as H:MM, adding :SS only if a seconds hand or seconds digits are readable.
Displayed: 9:19:31
